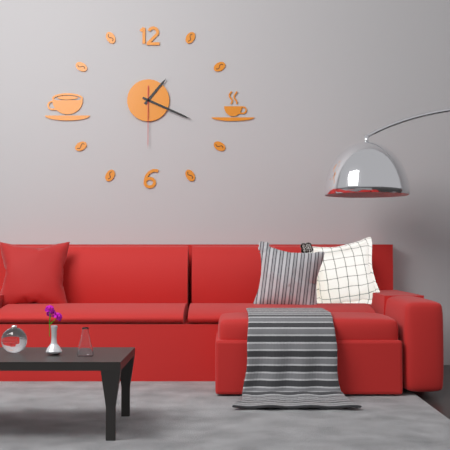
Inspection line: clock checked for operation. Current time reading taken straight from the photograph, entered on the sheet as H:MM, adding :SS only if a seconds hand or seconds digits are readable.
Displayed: 1:19:30
